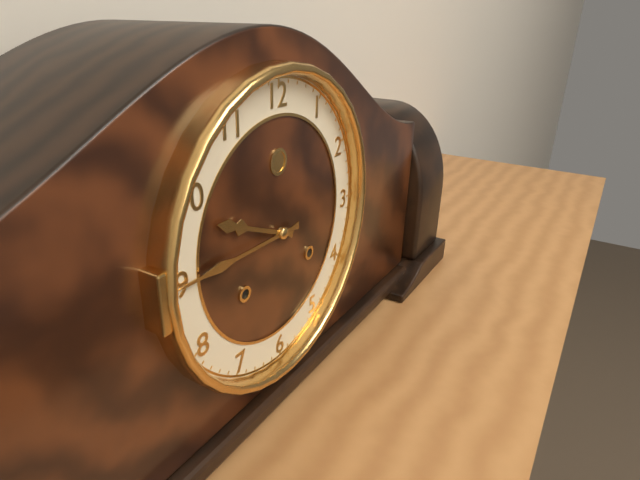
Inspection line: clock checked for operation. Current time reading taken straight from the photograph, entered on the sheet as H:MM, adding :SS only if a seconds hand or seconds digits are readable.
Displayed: 9:45
